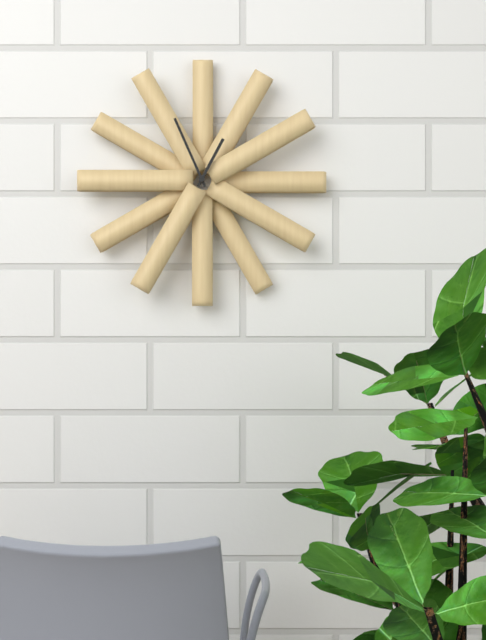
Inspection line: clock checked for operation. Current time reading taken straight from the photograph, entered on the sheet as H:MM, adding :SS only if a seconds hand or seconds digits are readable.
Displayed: 12:56
